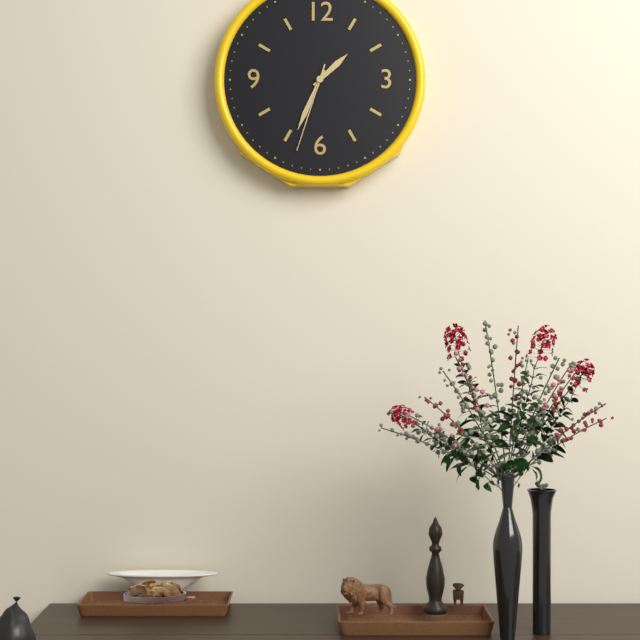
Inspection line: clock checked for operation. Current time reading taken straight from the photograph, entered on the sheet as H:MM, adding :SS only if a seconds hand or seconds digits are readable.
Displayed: 1:34:33
